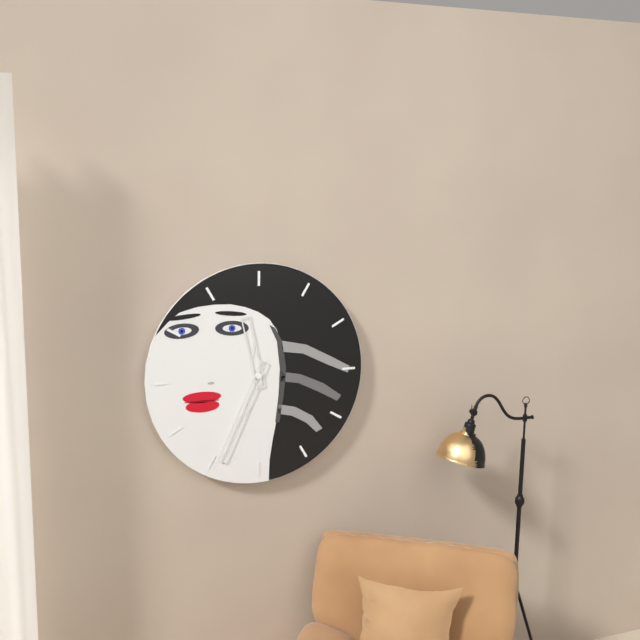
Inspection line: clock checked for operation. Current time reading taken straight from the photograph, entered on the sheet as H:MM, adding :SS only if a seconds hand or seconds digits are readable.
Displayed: 11:34
